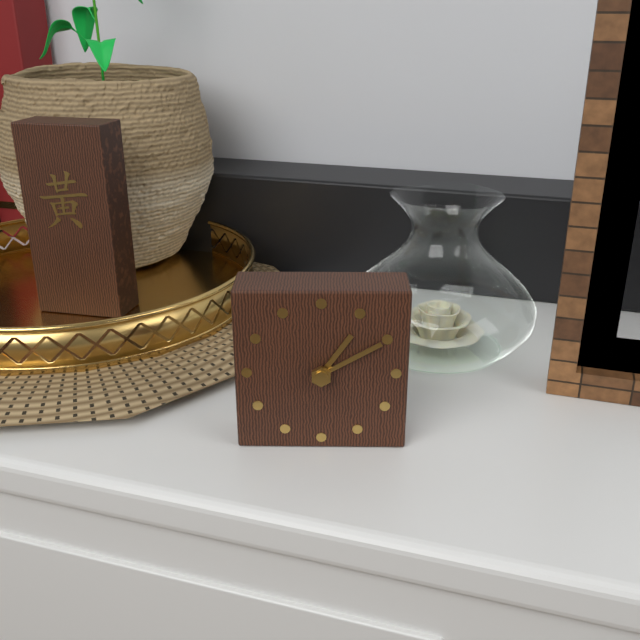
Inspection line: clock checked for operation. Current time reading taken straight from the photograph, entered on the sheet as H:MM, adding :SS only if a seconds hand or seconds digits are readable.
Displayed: 1:10
